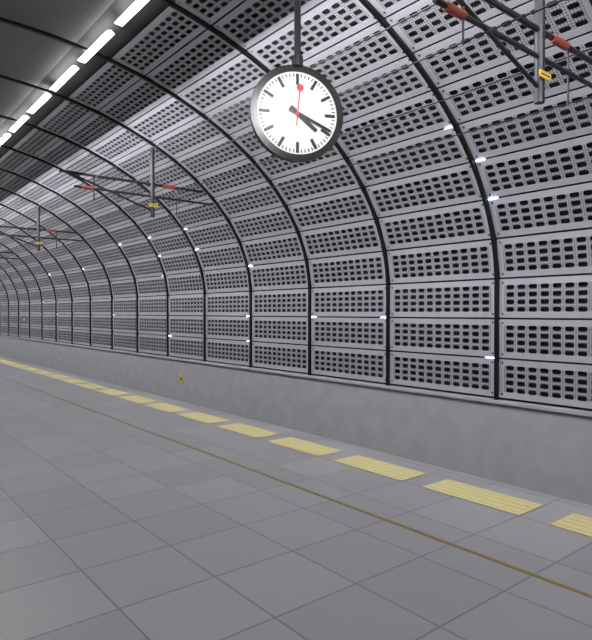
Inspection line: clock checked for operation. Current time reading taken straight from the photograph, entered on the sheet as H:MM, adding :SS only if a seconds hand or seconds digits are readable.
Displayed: 4:19
